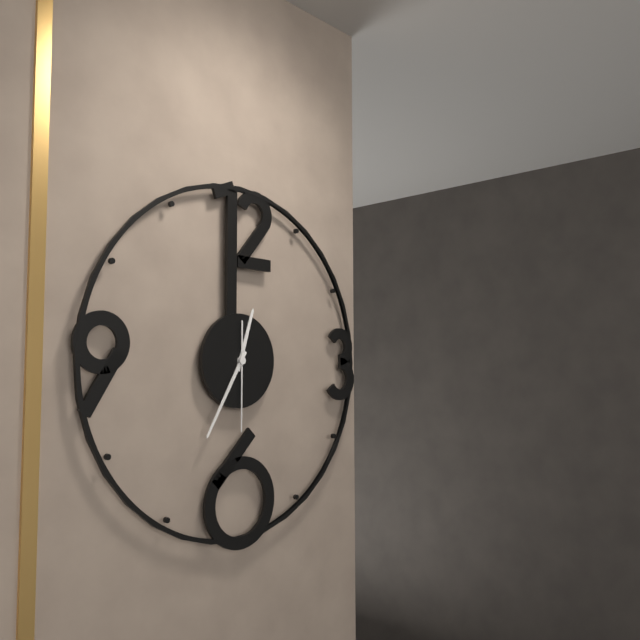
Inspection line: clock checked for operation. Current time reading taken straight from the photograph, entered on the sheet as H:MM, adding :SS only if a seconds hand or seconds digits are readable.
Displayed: 12:35:30
